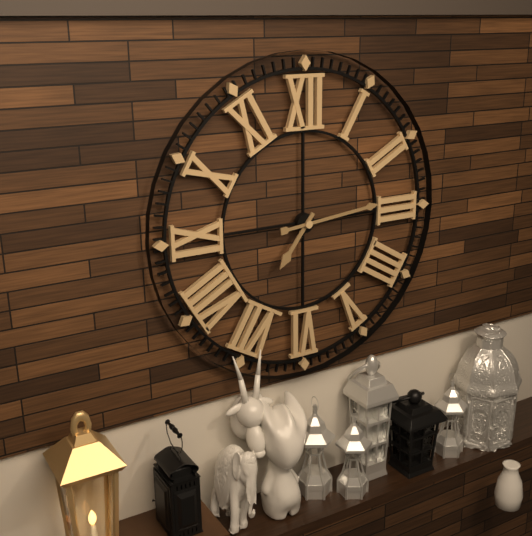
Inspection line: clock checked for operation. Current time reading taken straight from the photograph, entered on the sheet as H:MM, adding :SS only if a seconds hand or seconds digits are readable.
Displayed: 7:14
